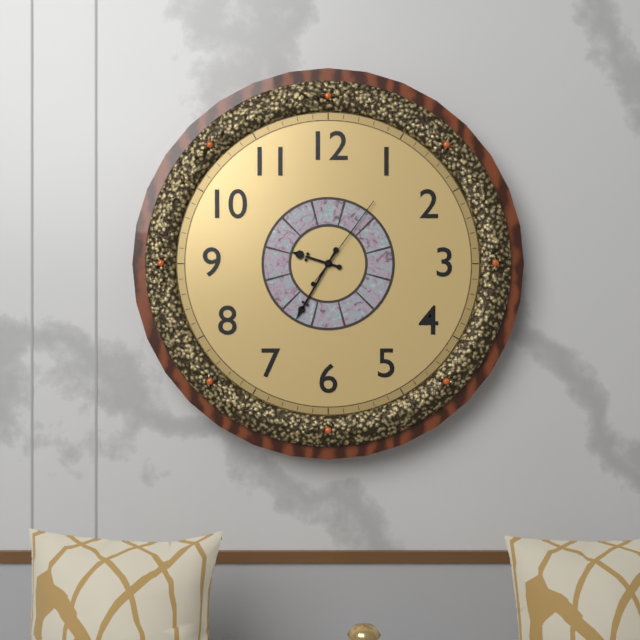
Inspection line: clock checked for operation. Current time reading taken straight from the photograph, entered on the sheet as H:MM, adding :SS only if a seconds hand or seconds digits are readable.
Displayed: 9:35:06
